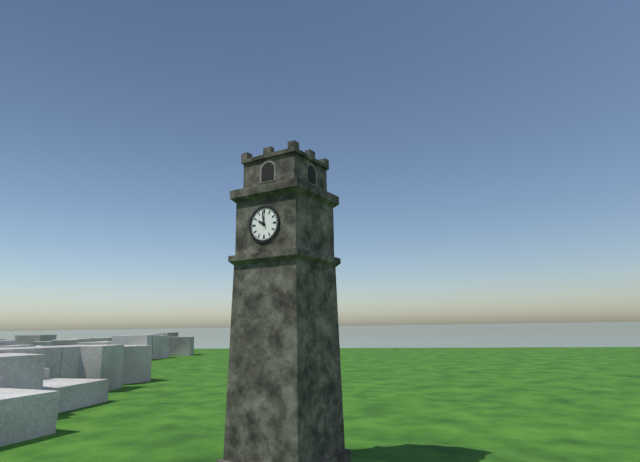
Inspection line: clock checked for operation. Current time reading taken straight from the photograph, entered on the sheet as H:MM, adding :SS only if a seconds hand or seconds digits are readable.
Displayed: 9:59
